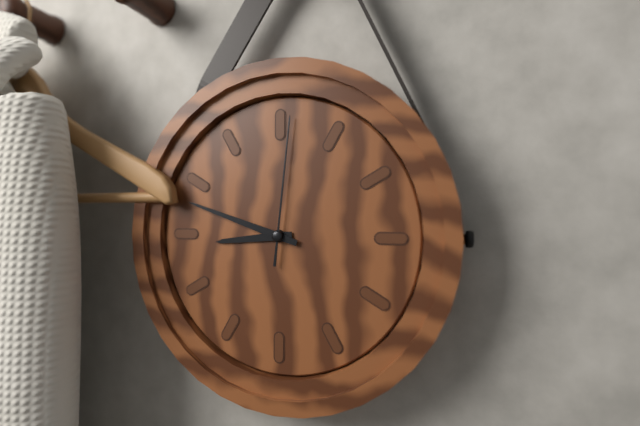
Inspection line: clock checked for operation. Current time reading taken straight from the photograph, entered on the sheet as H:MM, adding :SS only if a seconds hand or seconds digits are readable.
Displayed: 8:48:01
